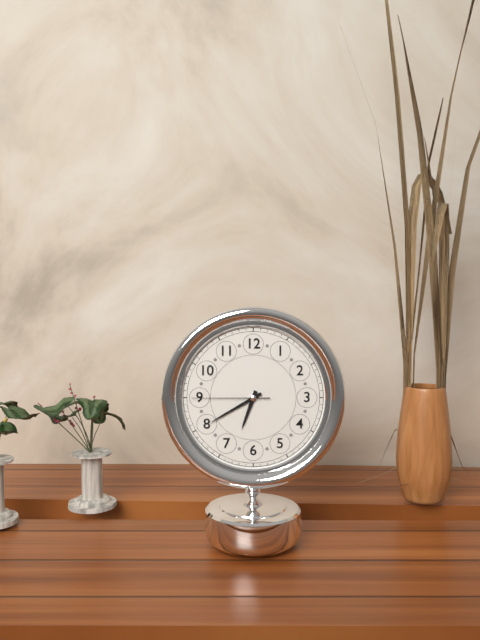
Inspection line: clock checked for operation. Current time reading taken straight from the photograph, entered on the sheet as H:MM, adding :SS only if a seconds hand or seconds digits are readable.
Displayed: 6:40:45
